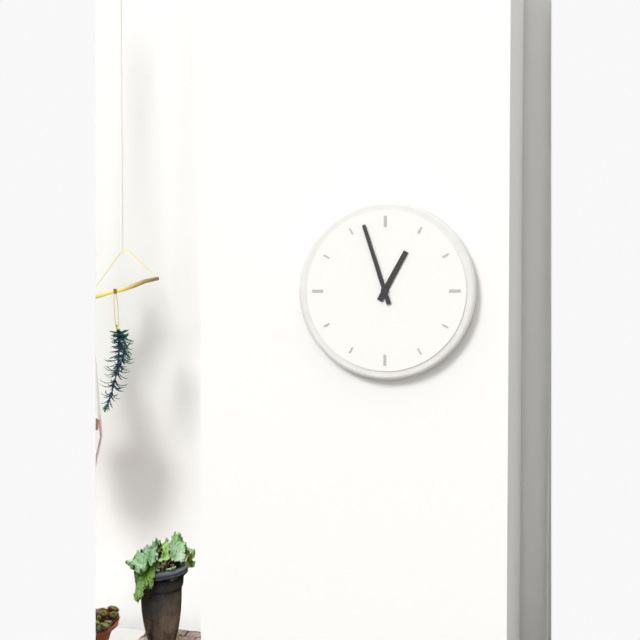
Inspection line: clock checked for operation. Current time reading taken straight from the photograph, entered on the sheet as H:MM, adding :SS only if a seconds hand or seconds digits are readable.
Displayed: 12:57
